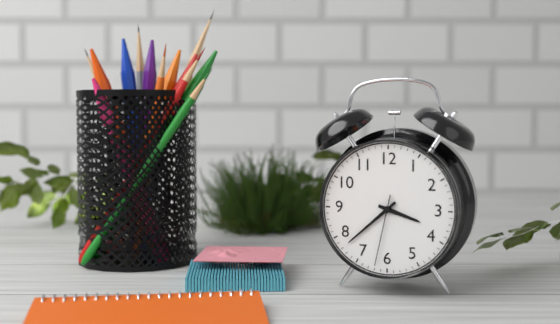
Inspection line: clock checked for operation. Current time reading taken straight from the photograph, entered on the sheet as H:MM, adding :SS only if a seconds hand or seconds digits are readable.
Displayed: 3:38:32
